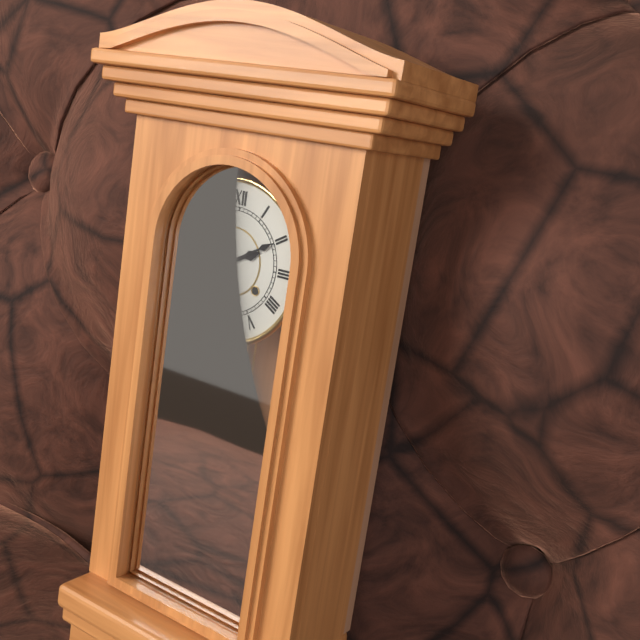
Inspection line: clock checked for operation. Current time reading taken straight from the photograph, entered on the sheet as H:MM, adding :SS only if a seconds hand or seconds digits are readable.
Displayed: 2:10
